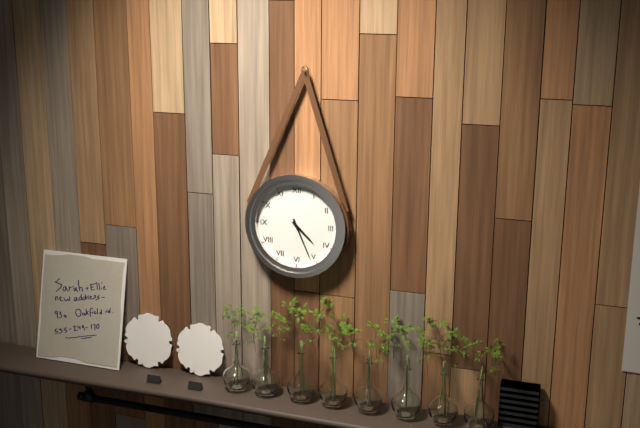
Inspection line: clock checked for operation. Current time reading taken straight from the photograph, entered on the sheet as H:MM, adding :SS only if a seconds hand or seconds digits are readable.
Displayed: 4:26
